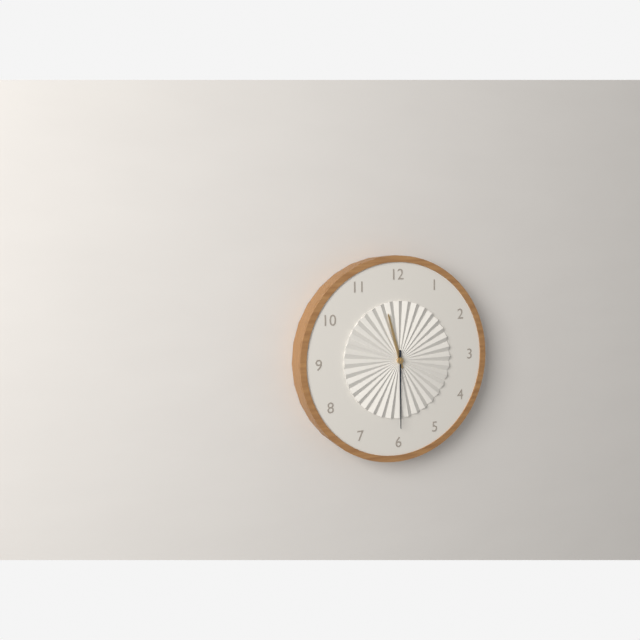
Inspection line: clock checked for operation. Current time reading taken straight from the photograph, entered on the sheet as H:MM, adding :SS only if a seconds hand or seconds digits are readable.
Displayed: 11:30
